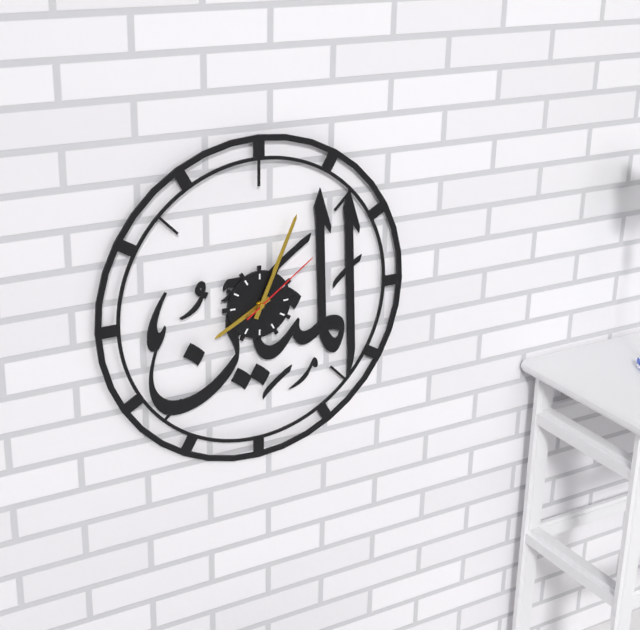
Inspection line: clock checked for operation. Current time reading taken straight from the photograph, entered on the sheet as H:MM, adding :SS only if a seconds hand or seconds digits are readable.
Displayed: 8:04:09
